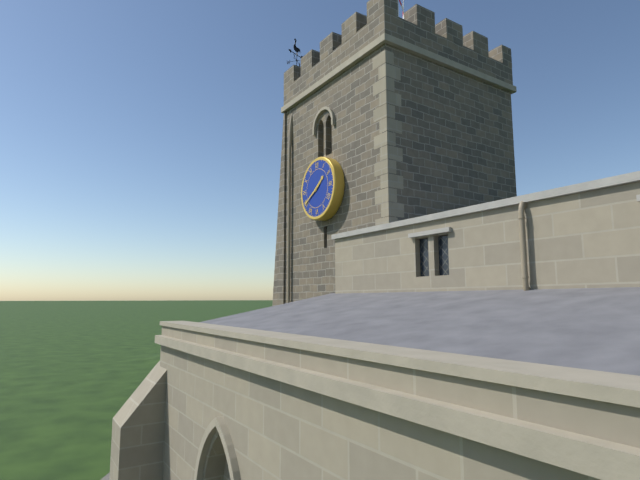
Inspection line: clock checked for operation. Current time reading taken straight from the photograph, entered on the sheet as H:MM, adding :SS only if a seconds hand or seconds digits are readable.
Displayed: 1:40
